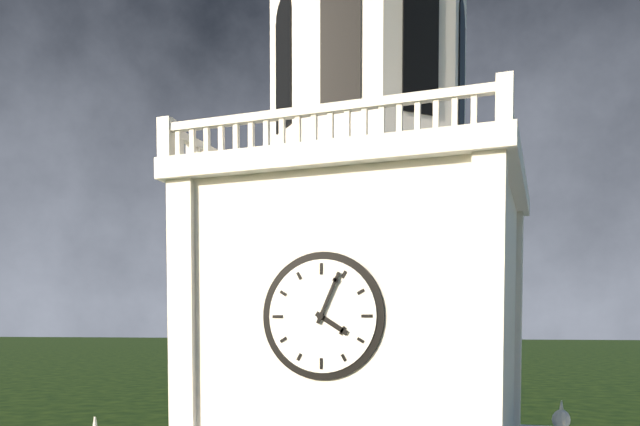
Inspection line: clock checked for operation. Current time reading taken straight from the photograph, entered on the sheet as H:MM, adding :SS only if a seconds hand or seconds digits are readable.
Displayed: 4:04
